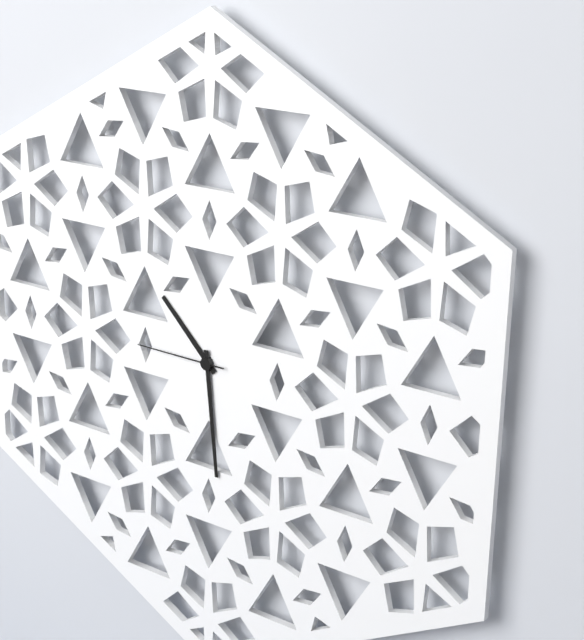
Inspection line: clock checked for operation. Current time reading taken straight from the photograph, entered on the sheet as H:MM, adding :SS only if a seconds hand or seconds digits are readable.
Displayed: 10:29:45
